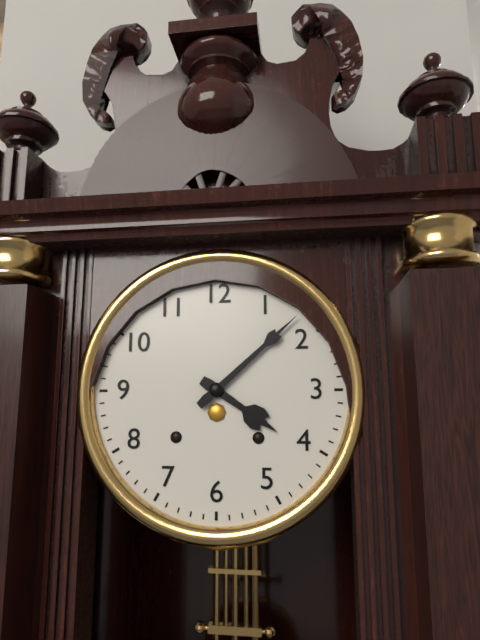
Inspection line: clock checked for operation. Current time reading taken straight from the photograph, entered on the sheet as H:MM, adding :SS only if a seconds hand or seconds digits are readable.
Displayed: 4:08
